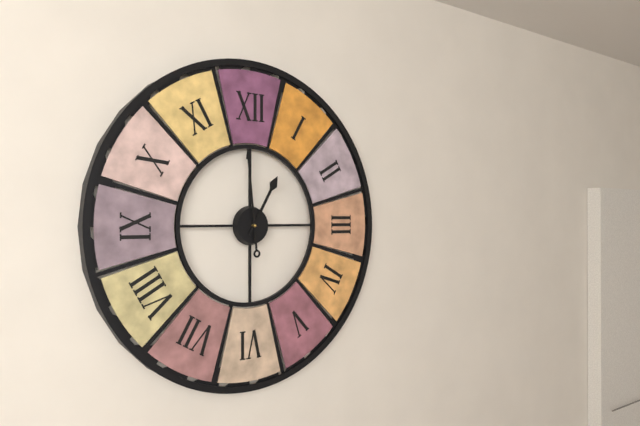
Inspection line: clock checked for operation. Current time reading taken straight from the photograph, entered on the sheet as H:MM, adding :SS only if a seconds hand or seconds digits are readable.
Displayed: 12:59
